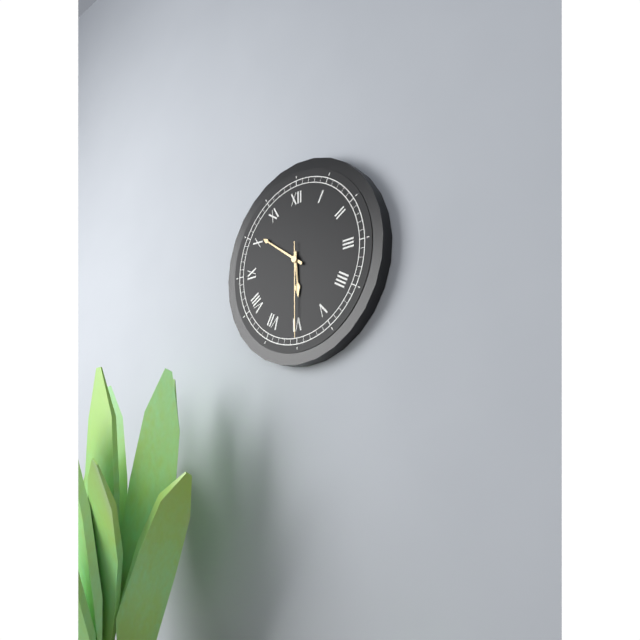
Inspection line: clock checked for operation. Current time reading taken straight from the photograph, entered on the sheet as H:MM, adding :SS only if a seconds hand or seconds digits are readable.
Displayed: 5:51:30
